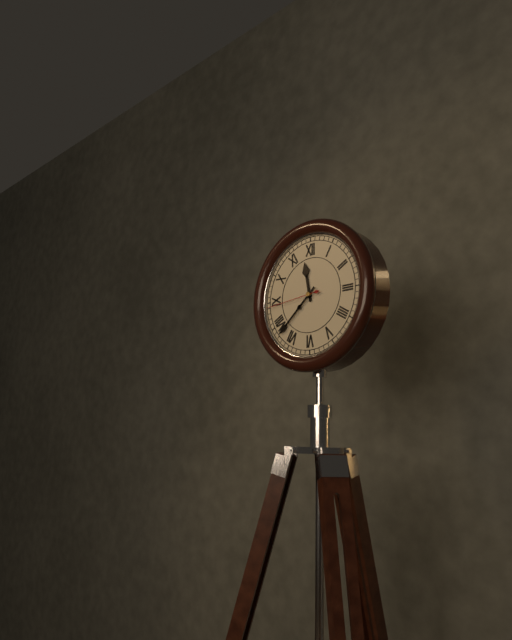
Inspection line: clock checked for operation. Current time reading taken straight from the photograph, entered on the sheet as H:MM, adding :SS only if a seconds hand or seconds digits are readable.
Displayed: 11:38:44
